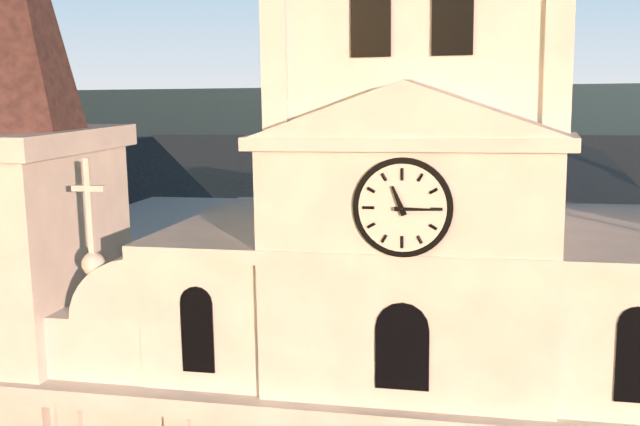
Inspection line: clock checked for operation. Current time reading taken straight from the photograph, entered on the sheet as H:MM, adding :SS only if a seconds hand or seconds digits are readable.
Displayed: 11:15
